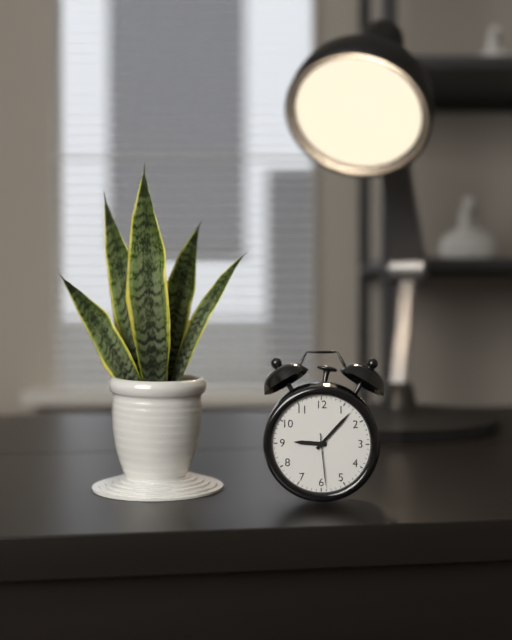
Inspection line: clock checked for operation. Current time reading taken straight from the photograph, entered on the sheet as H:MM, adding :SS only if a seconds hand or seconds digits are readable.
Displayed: 9:07:29
